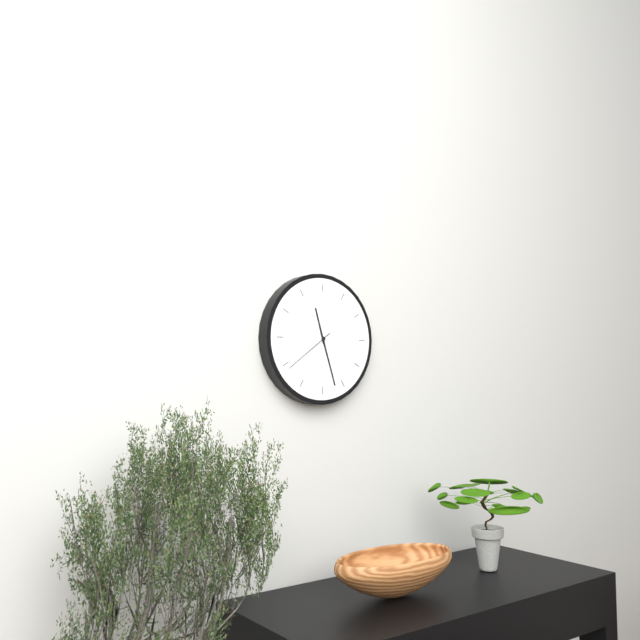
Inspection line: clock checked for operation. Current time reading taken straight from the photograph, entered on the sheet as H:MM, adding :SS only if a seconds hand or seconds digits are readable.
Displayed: 11:27:39
